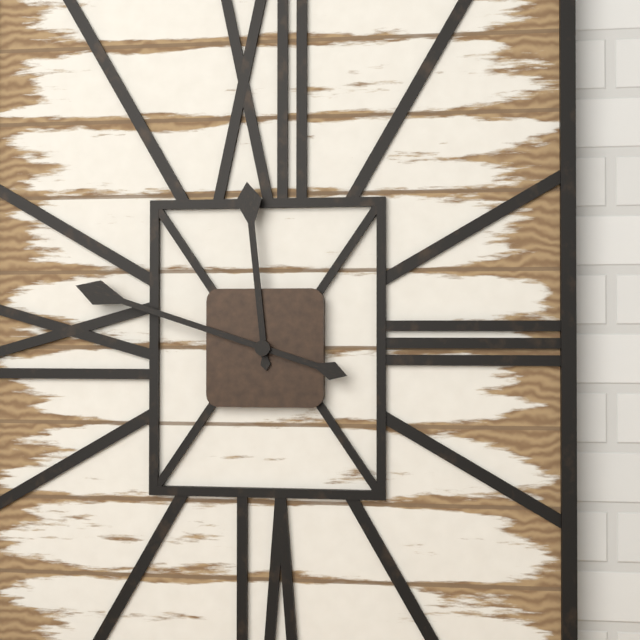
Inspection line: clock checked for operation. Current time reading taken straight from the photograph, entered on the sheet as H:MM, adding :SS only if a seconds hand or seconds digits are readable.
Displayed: 11:48
